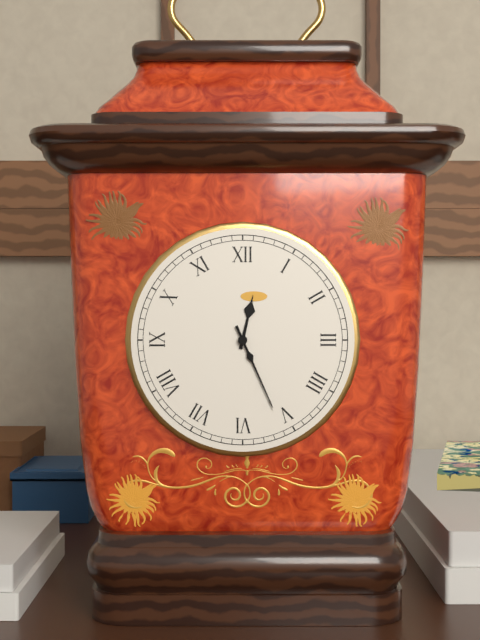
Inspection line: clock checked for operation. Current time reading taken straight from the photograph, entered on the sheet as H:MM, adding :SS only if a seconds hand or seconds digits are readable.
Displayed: 12:26
